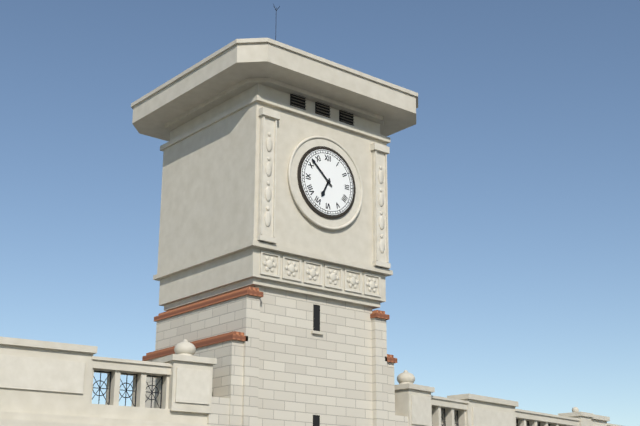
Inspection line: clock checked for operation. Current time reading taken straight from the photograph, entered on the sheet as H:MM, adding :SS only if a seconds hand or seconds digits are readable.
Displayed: 6:52
